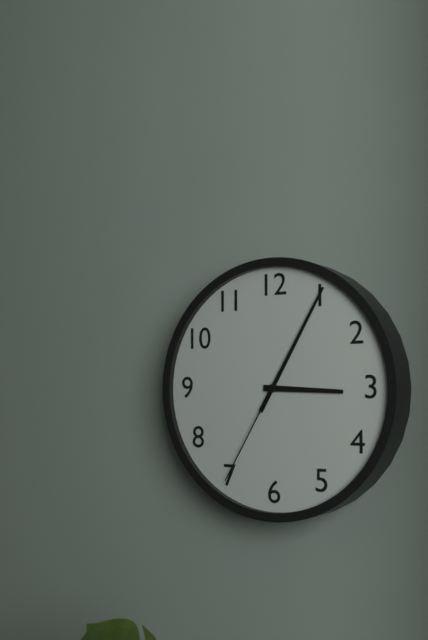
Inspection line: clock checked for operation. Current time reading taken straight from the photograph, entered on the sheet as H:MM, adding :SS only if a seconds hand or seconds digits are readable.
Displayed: 3:05:35
